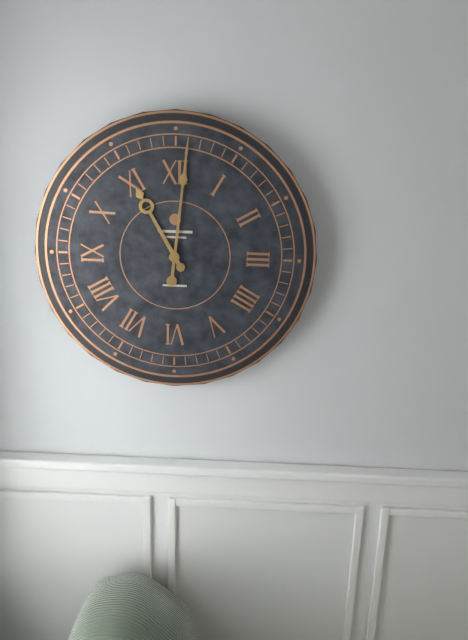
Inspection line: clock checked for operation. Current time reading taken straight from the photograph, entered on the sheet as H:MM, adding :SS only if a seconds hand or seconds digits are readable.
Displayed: 11:01
